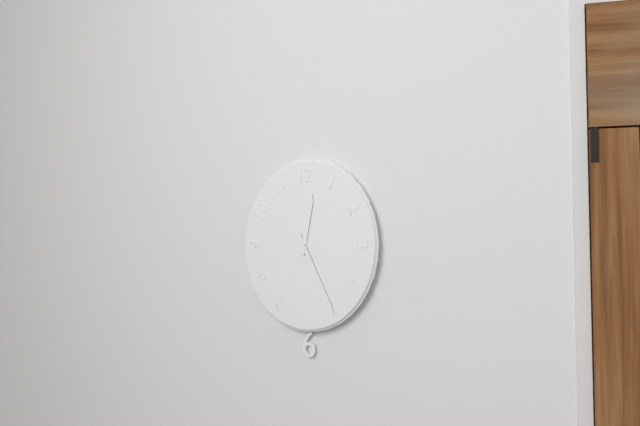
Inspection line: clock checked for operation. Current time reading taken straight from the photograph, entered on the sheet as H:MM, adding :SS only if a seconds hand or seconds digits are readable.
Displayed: 12:25
